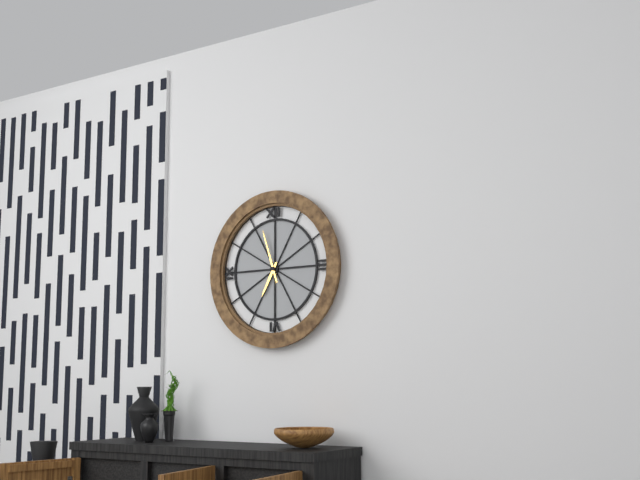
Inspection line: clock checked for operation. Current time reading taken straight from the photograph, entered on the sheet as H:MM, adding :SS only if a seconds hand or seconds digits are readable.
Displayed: 6:57
